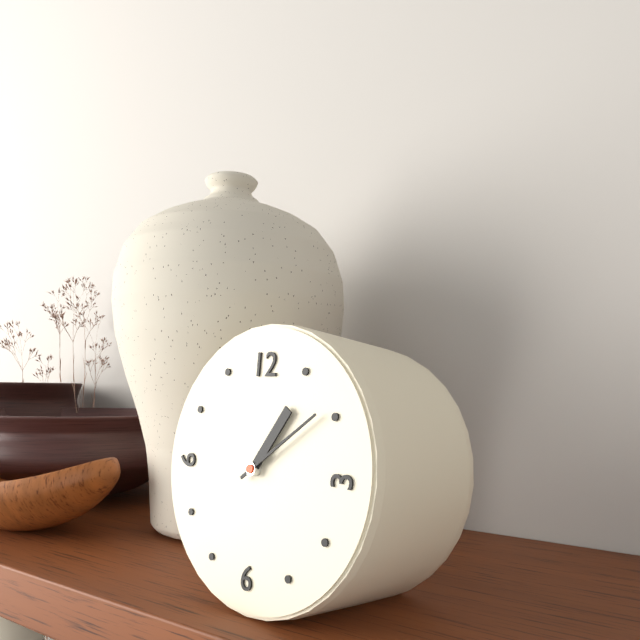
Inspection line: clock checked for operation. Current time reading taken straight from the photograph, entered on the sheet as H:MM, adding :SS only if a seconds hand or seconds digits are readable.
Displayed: 1:09
